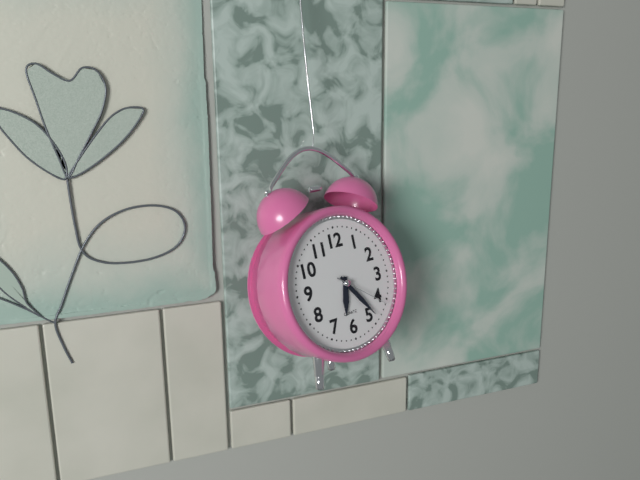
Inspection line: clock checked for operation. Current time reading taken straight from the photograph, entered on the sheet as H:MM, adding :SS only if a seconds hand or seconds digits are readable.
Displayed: 6:24:21
